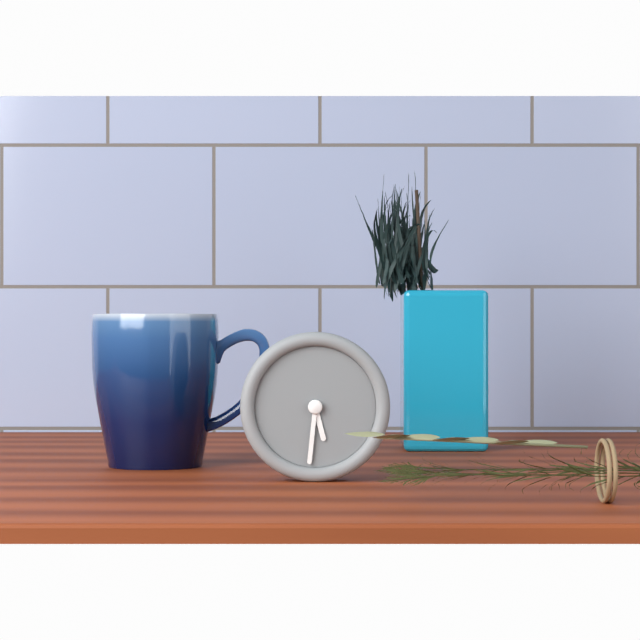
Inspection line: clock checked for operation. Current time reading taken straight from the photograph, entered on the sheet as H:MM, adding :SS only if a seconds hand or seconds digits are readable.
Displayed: 5:31
